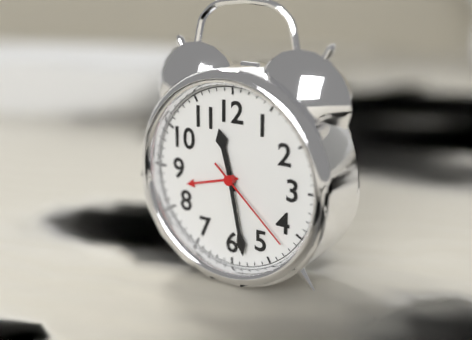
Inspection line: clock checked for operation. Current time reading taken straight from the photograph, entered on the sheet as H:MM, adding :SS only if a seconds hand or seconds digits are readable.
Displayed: 11:28:22
